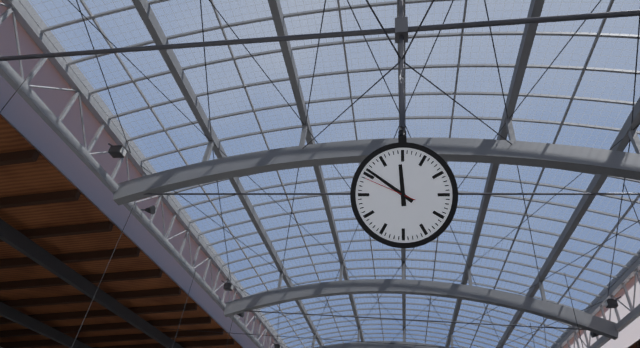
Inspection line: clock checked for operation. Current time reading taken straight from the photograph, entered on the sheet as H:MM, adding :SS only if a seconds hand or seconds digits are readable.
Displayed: 11:51:49
